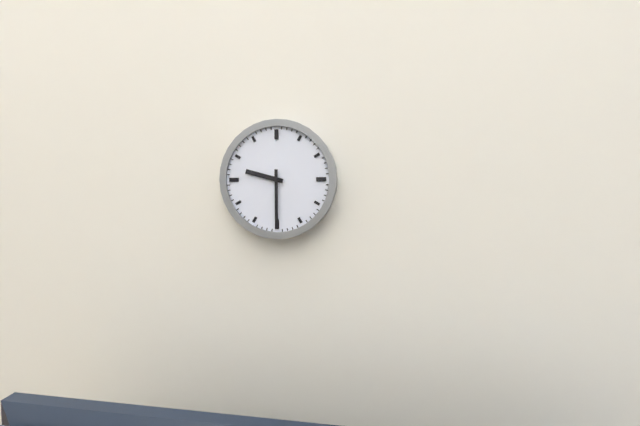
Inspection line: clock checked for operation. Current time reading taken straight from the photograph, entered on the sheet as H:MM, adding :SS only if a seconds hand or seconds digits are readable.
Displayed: 9:30
